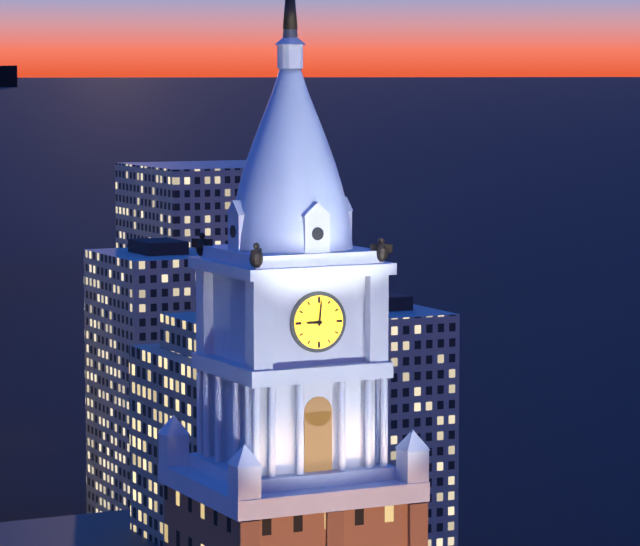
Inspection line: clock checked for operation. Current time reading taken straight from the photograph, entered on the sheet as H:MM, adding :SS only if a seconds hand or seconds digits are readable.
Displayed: 9:01
